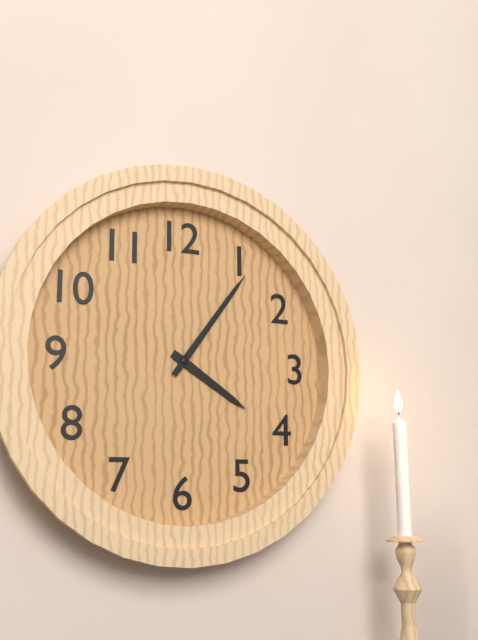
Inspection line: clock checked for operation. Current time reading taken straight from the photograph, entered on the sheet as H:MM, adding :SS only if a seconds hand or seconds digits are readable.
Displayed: 4:06
